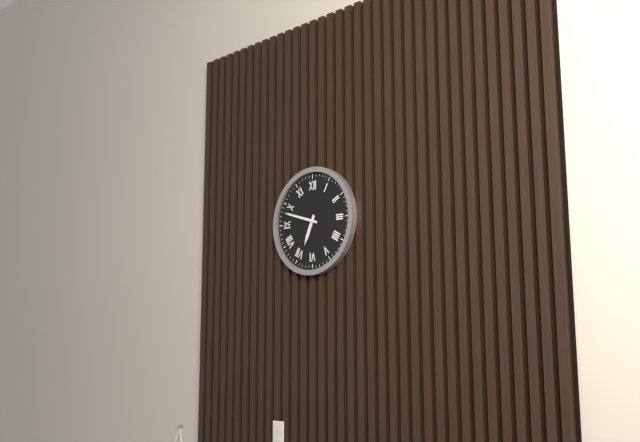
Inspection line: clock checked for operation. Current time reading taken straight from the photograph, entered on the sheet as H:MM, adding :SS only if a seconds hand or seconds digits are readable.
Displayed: 6:48
